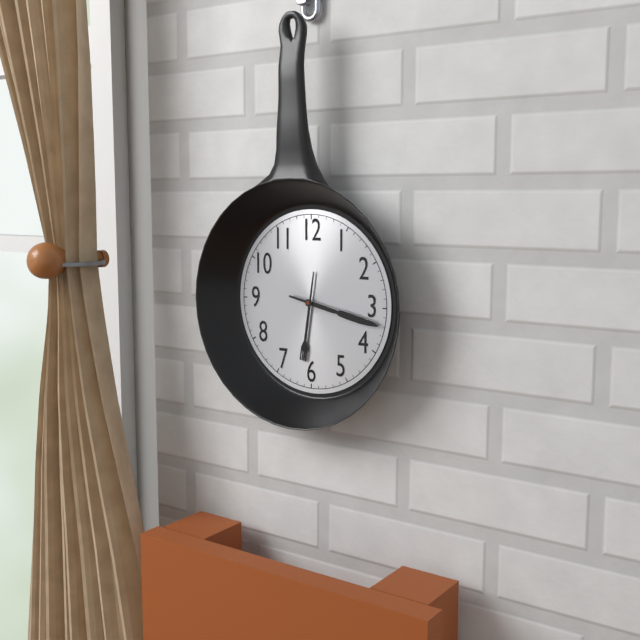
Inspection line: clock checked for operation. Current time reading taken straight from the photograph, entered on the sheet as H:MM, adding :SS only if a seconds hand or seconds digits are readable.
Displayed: 6:17
